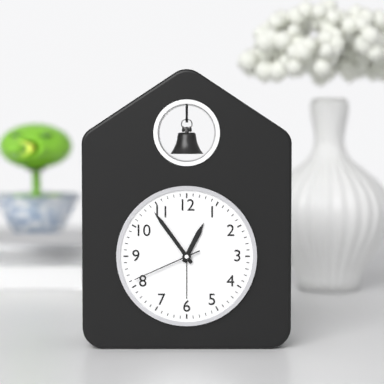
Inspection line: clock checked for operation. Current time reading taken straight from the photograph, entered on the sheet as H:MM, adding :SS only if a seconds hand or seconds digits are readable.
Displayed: 12:54:41
